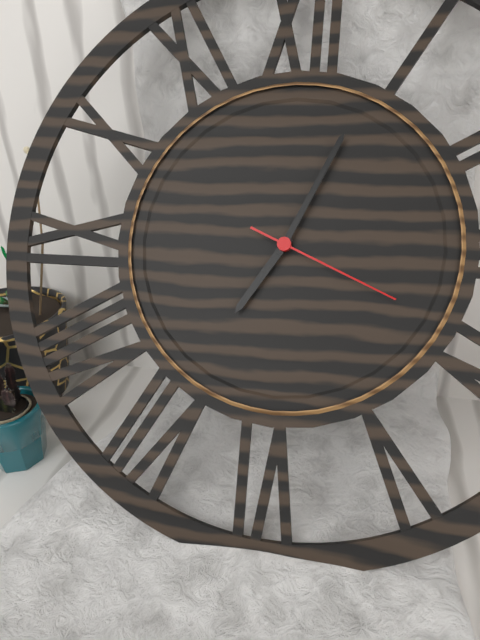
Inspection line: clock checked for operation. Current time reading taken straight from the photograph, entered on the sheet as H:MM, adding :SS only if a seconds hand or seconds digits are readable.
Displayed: 7:04:19
